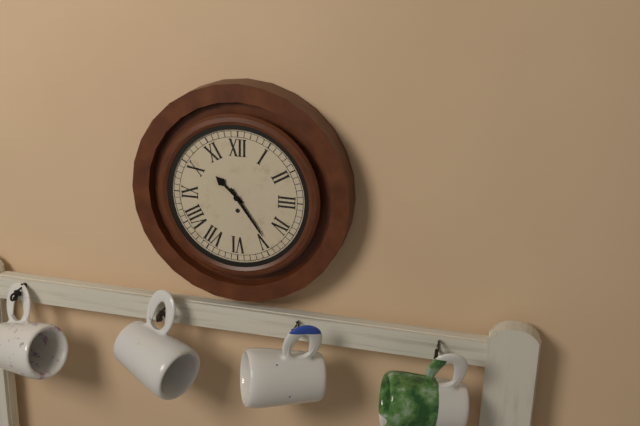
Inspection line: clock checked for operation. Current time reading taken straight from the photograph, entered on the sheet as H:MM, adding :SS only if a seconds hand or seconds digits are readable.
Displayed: 10:24
